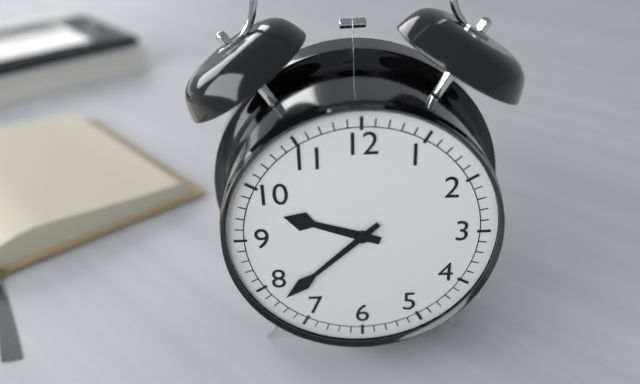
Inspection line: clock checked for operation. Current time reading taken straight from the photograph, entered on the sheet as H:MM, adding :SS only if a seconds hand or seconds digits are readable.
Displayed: 9:38
